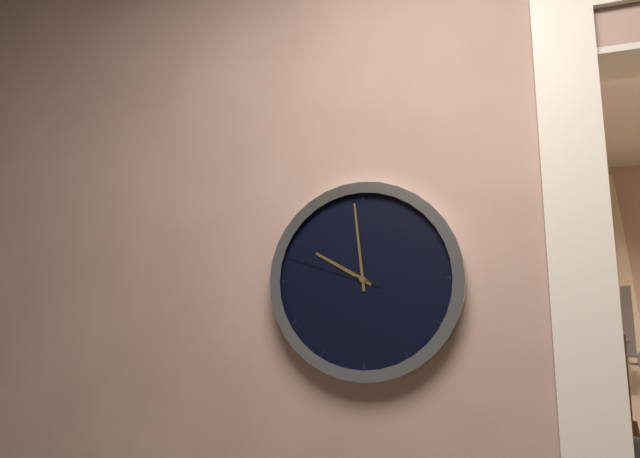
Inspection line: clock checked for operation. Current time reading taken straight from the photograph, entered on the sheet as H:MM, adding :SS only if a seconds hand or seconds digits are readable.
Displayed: 9:59:48
